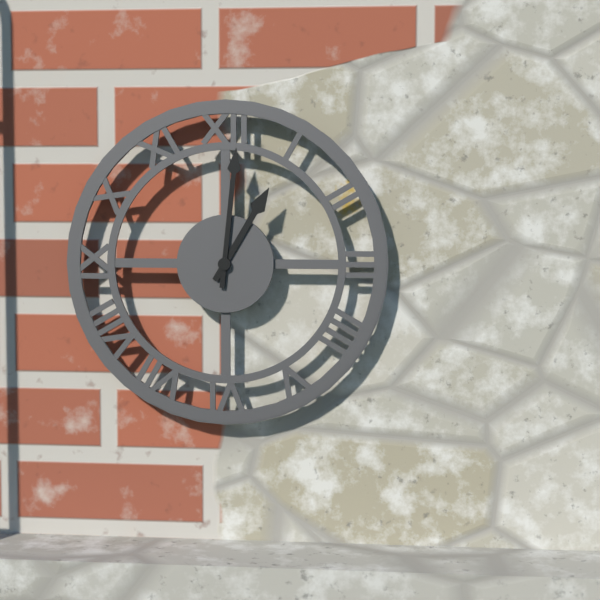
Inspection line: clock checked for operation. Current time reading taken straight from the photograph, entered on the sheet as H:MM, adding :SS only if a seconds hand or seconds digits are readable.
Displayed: 1:01
